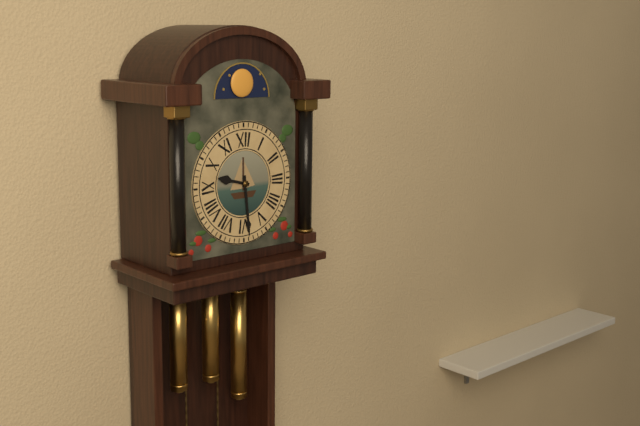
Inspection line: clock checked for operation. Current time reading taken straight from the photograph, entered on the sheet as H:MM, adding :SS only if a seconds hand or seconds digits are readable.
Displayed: 9:29
